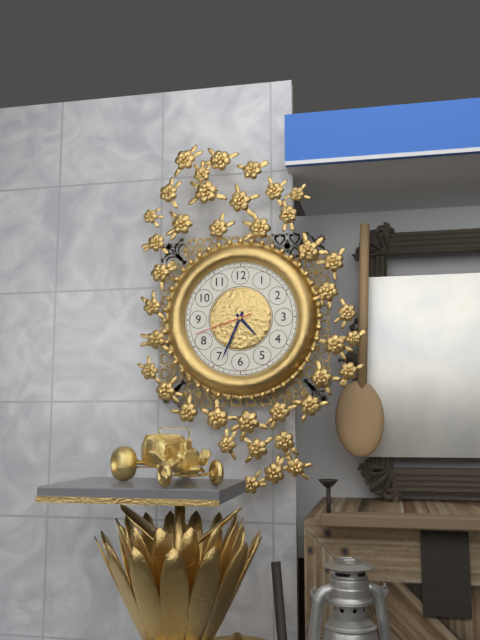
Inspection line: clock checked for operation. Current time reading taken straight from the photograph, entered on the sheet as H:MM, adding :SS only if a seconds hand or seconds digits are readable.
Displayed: 4:34:42
